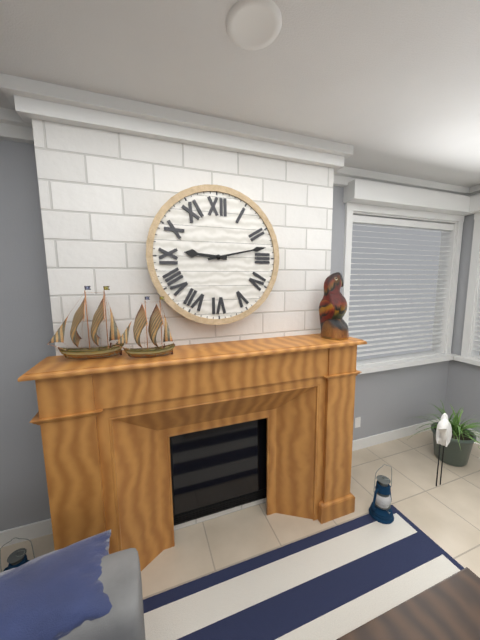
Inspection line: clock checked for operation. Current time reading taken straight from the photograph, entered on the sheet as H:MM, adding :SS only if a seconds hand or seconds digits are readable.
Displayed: 9:13
